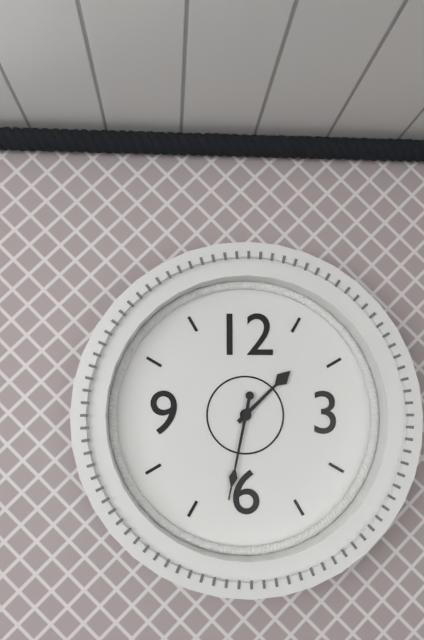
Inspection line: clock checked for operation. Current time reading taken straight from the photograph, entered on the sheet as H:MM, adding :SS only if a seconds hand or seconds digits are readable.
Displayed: 1:32
